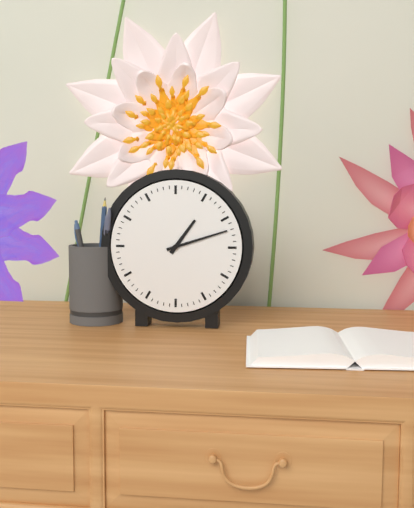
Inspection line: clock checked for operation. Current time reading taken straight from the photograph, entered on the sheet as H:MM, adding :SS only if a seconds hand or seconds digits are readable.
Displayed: 1:12
